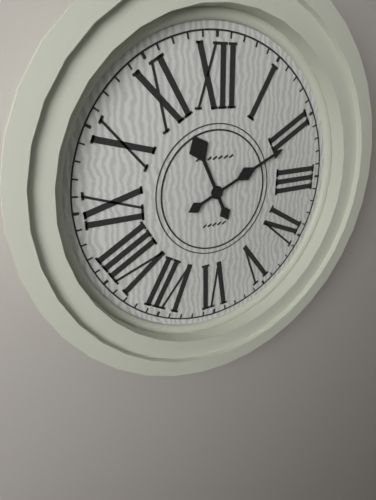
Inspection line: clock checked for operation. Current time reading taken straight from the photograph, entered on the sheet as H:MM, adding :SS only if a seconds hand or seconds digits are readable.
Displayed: 11:11
